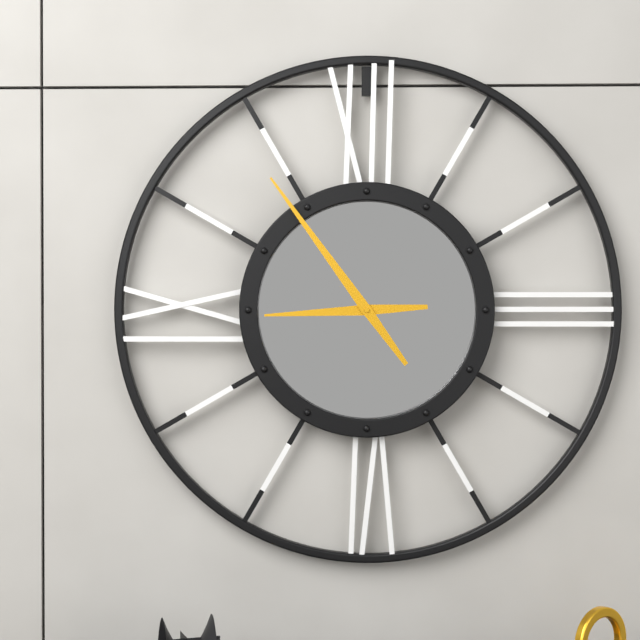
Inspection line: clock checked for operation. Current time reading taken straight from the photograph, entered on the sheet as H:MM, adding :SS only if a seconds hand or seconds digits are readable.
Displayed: 8:54
